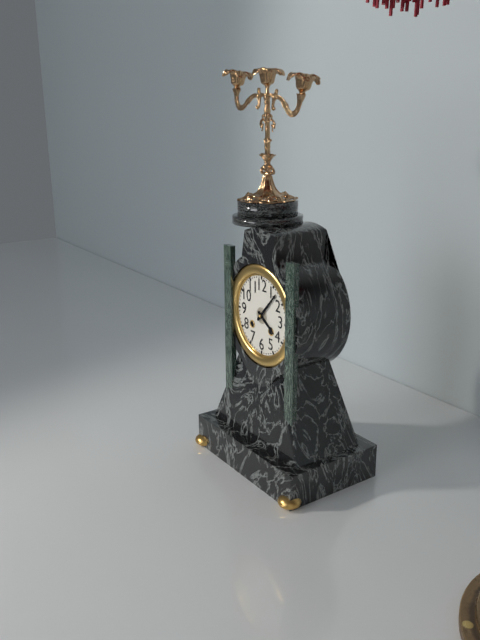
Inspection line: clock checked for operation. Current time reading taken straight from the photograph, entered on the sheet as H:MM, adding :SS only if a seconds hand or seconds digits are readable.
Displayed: 4:07
